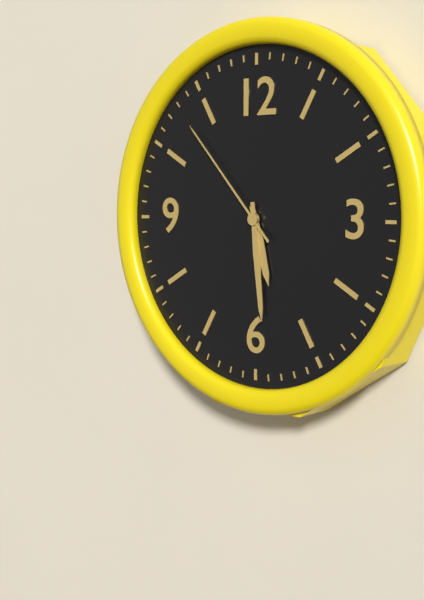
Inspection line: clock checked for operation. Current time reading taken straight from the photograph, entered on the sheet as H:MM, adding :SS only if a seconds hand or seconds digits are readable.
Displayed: 5:29:53
